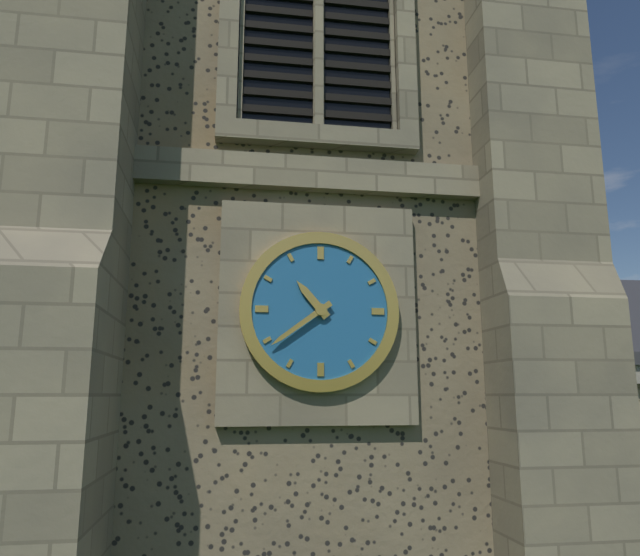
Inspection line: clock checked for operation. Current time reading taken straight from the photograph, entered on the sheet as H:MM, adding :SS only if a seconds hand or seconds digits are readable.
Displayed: 10:39
